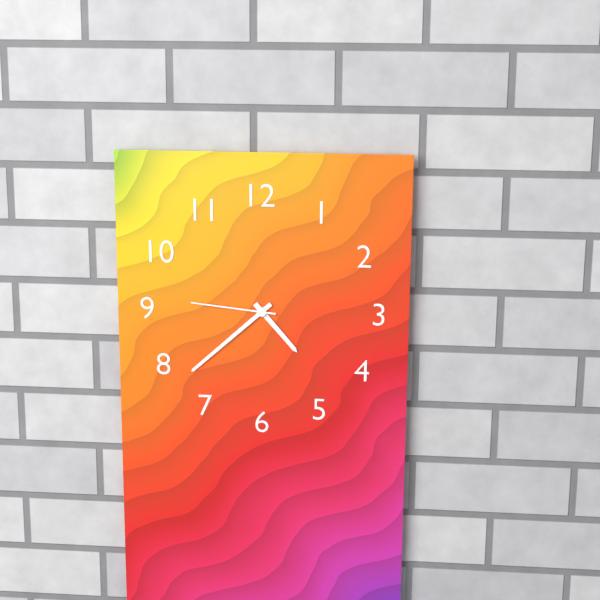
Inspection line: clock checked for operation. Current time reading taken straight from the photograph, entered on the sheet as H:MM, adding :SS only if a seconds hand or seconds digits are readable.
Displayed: 4:38:46
